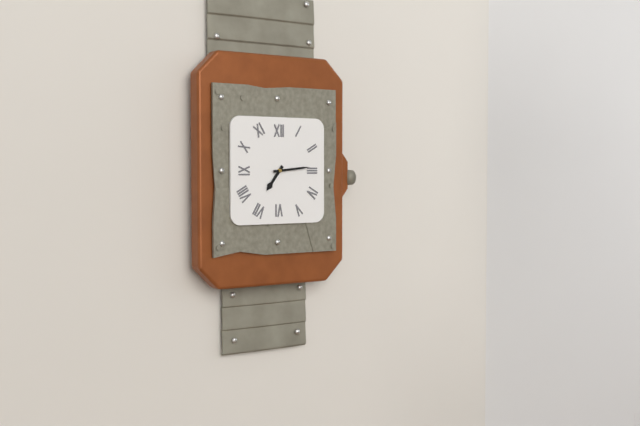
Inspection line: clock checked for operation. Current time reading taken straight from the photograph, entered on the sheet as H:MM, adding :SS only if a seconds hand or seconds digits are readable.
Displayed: 7:14
